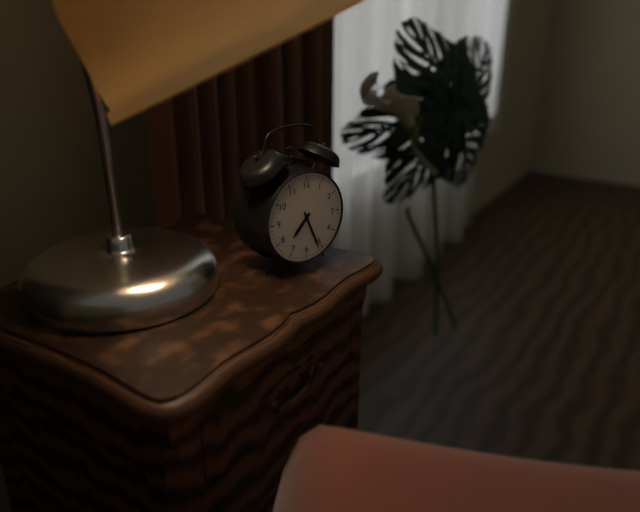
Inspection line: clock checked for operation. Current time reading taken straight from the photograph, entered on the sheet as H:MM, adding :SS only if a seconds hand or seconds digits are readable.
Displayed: 7:26
